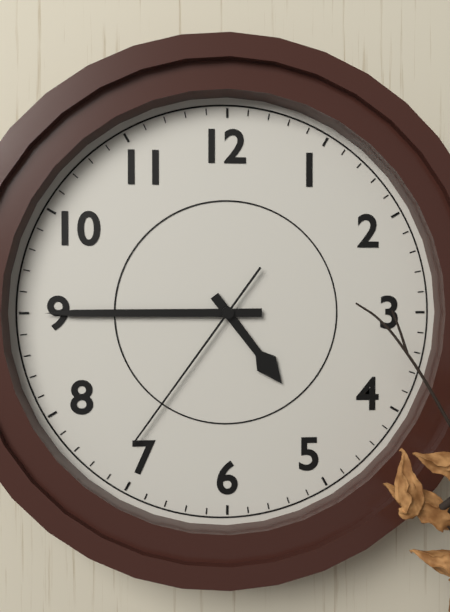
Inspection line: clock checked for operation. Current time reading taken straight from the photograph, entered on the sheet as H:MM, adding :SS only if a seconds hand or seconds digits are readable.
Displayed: 4:45:36
